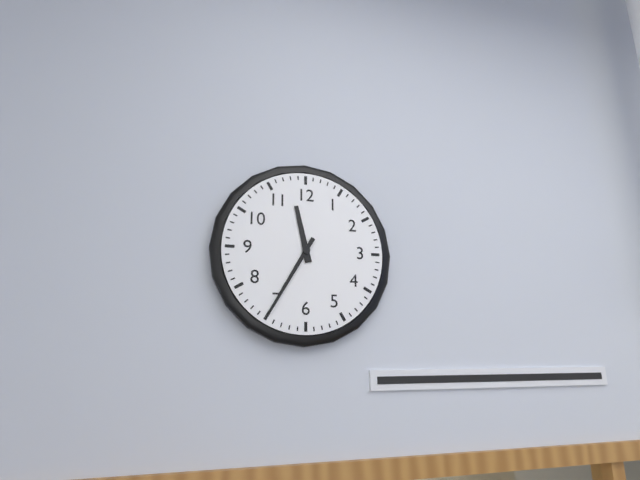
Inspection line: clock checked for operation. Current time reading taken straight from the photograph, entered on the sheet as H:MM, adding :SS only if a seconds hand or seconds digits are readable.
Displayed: 11:35
